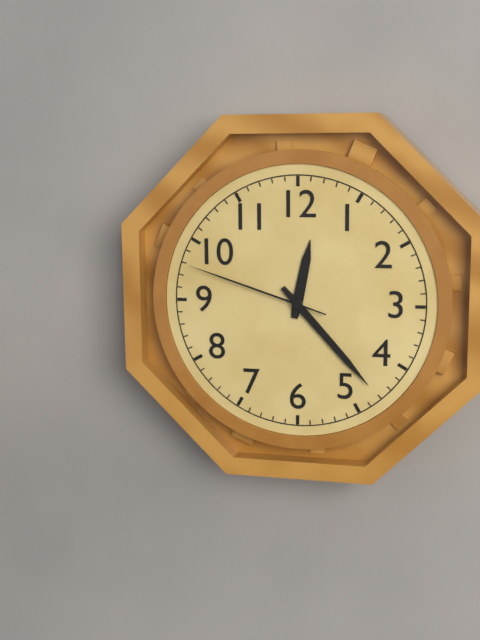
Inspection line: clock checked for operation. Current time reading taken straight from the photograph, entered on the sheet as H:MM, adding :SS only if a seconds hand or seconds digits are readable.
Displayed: 12:23:48
